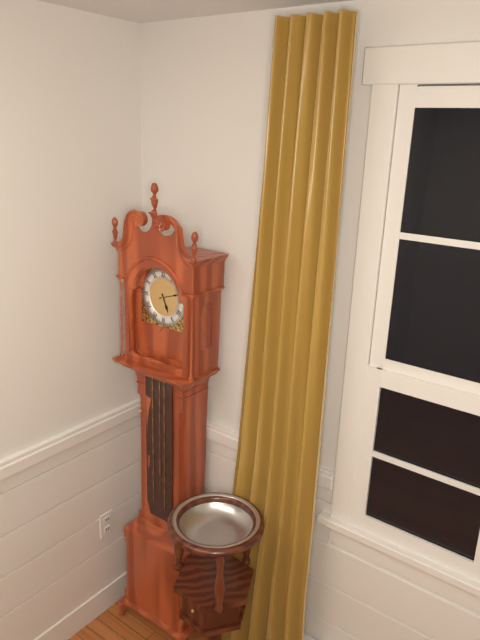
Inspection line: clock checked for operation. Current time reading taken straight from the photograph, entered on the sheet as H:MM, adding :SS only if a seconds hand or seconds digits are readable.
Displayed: 5:12
